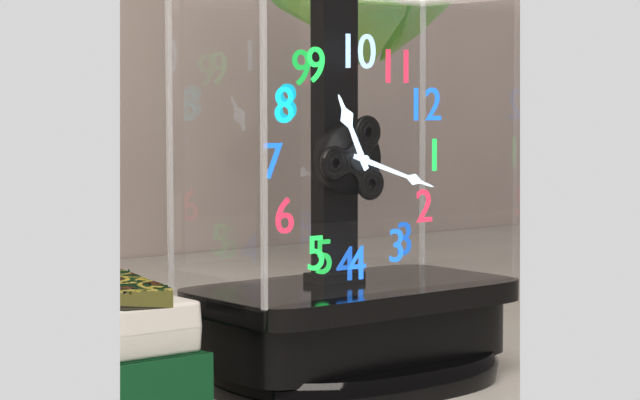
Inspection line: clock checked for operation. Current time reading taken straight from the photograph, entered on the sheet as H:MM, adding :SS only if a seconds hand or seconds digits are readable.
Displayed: 9:08
